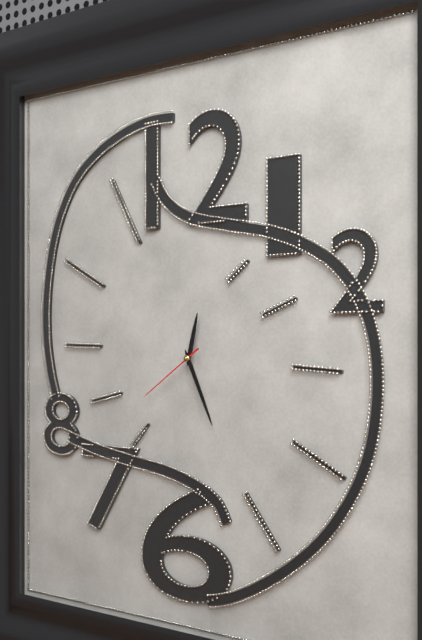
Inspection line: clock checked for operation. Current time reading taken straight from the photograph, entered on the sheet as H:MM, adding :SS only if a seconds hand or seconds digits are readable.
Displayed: 12:26:39
